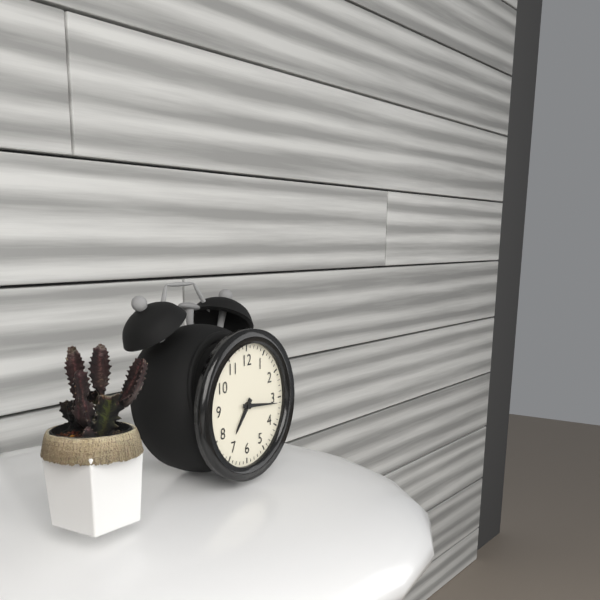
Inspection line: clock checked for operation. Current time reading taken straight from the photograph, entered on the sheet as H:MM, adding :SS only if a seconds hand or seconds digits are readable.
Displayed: 7:16
